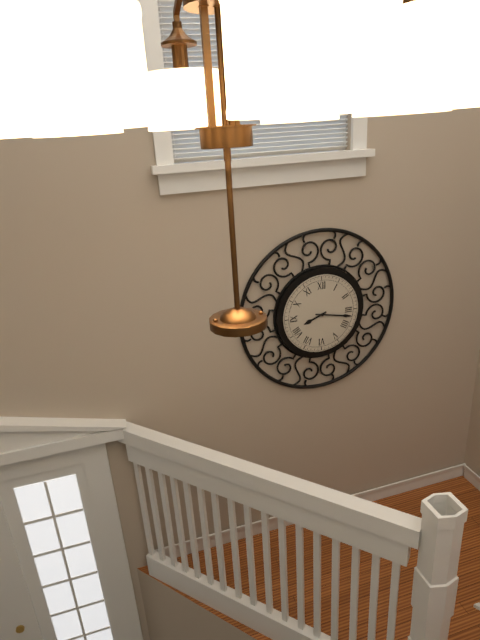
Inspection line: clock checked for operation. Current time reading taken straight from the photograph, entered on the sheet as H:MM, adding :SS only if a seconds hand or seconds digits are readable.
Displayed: 8:17
